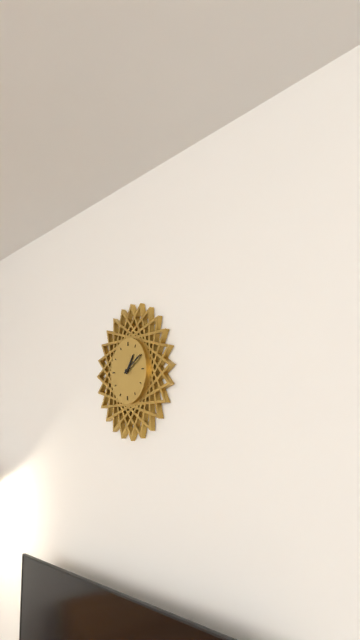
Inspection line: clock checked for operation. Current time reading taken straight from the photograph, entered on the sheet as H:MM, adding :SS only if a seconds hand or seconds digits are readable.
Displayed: 1:10
